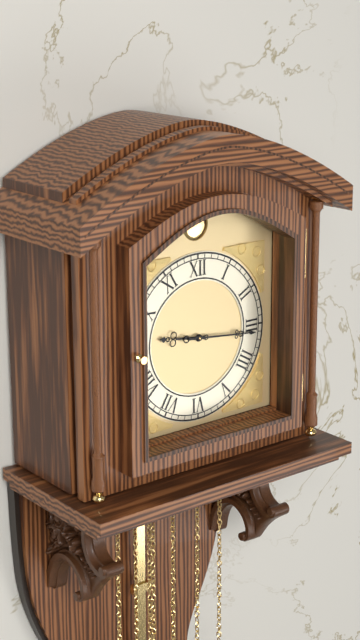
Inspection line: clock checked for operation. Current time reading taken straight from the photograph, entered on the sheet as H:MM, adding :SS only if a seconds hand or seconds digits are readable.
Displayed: 9:16
